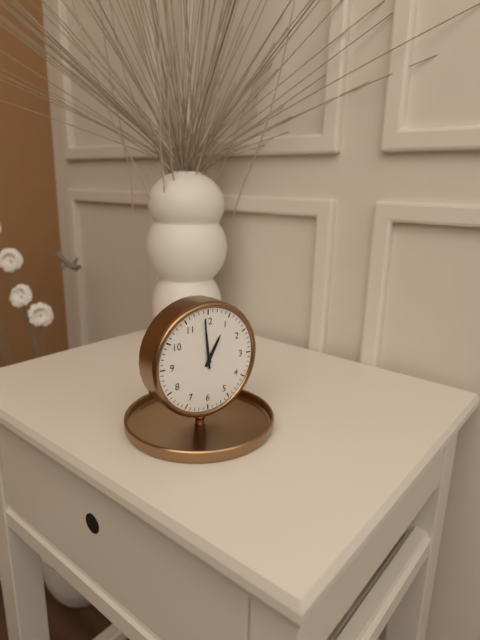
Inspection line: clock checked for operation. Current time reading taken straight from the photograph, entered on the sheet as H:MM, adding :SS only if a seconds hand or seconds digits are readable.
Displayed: 12:59
